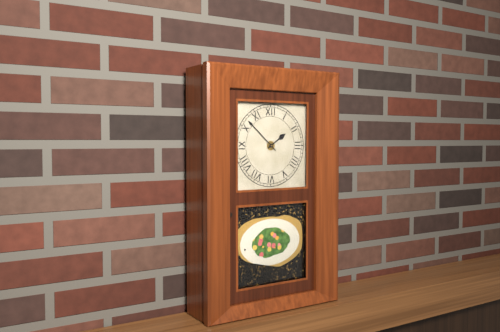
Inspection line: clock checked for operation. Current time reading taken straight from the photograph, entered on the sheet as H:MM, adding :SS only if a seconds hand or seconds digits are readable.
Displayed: 1:52
